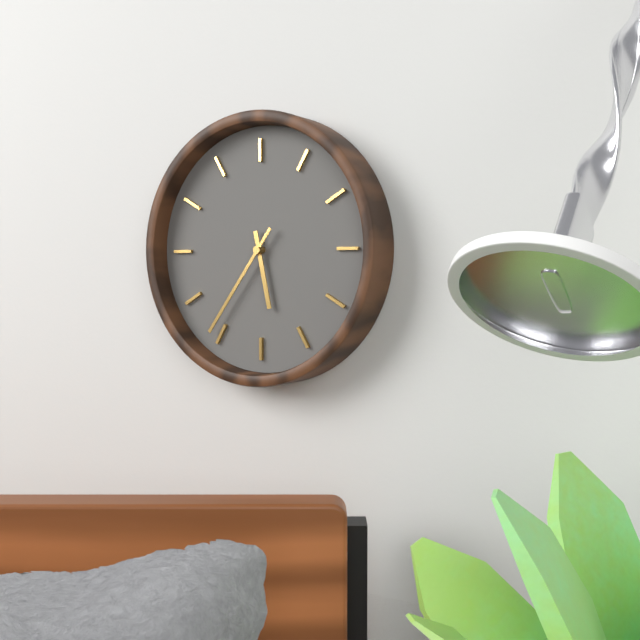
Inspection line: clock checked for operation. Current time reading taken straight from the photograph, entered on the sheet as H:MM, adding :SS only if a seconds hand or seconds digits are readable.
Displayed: 5:36
